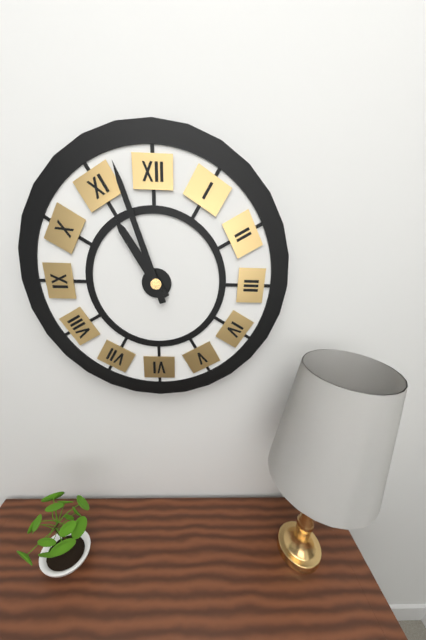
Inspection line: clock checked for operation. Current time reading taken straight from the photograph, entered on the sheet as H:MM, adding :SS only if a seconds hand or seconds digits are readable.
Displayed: 10:57
